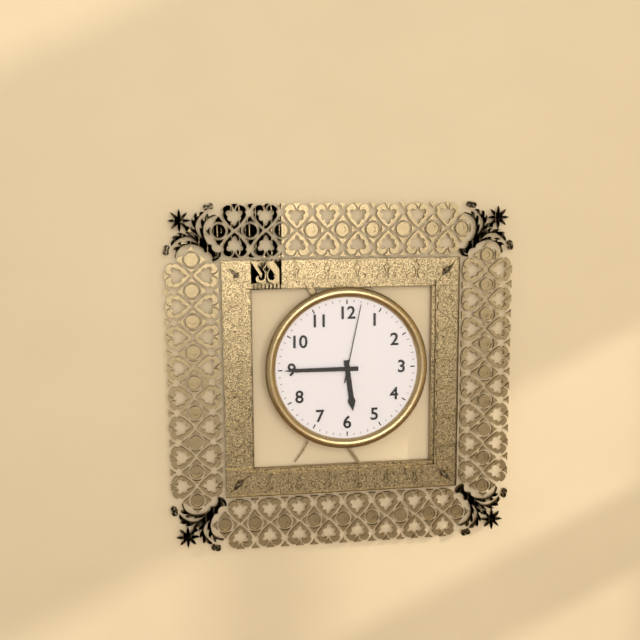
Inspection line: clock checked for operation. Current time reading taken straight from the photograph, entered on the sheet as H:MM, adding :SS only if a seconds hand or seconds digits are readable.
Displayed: 5:45:02
